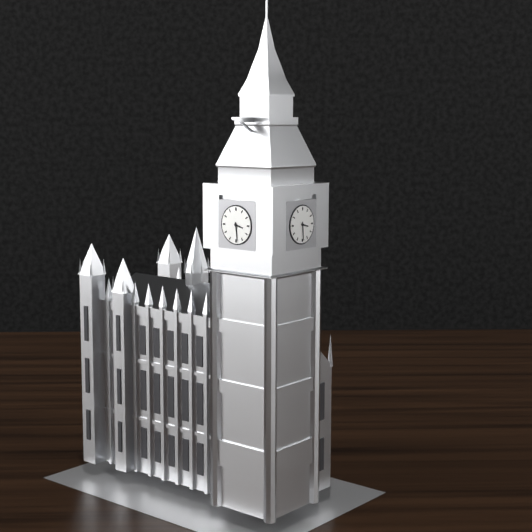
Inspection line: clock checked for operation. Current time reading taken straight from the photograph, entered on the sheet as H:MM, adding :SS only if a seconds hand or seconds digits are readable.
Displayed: 3:29
